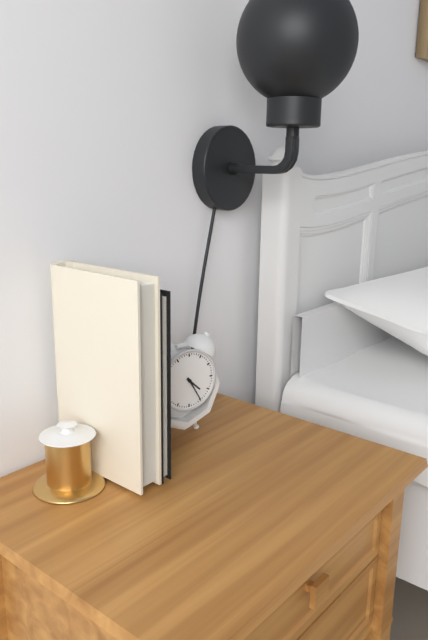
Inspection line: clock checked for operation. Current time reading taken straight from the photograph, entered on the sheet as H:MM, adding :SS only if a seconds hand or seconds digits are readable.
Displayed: 4:25
